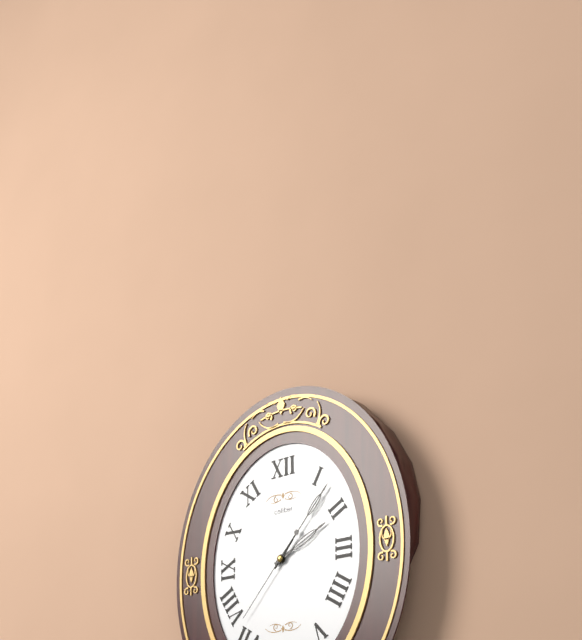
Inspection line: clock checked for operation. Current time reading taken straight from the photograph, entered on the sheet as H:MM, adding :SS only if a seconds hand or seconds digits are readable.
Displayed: 2:07:37
